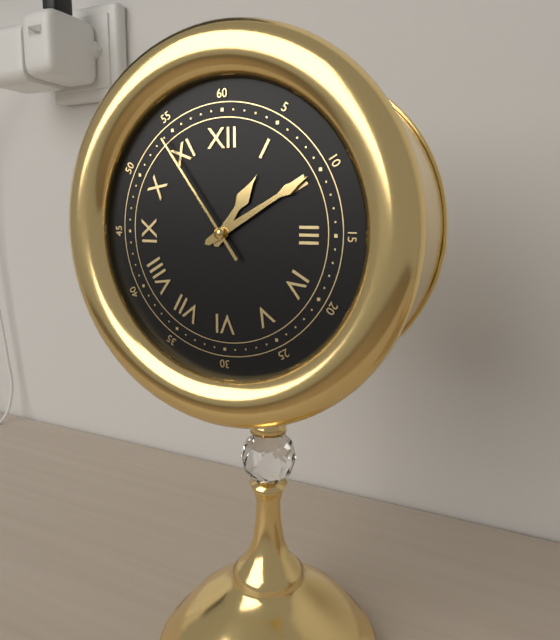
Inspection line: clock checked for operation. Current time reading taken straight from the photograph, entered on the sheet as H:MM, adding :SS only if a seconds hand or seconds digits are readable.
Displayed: 1:10:54
